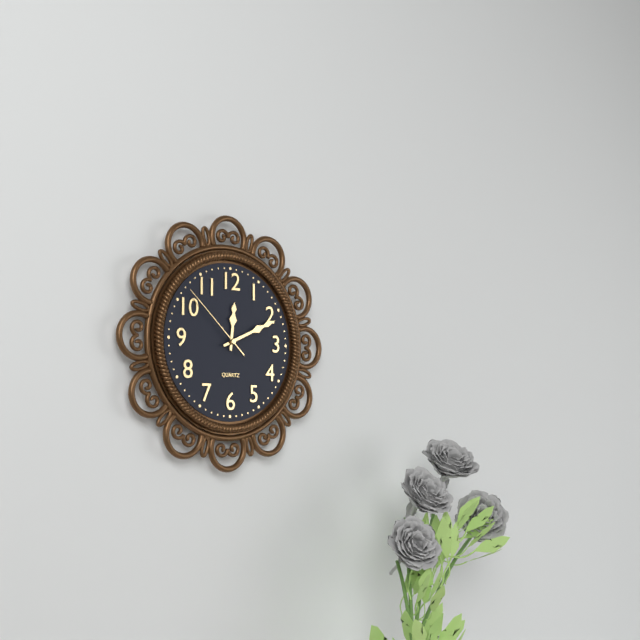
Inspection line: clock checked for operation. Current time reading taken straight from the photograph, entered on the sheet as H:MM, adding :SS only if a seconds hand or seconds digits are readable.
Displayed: 12:11:52
